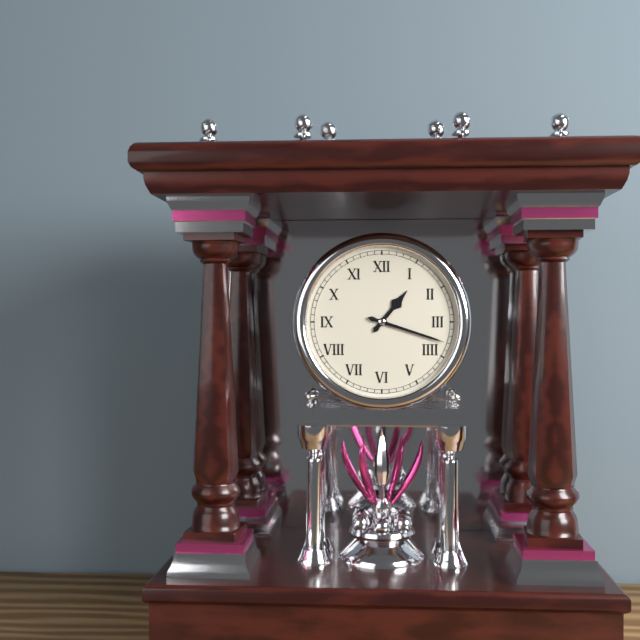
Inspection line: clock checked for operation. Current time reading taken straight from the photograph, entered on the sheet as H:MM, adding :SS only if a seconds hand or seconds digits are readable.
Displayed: 1:18
